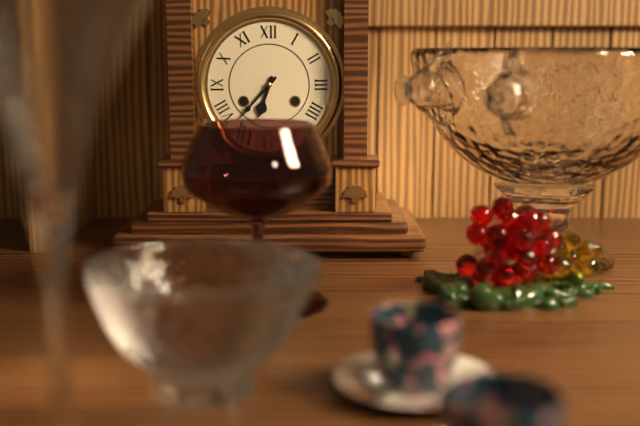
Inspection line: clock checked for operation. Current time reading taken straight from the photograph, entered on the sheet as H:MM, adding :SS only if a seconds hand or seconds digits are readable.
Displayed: 6:37
